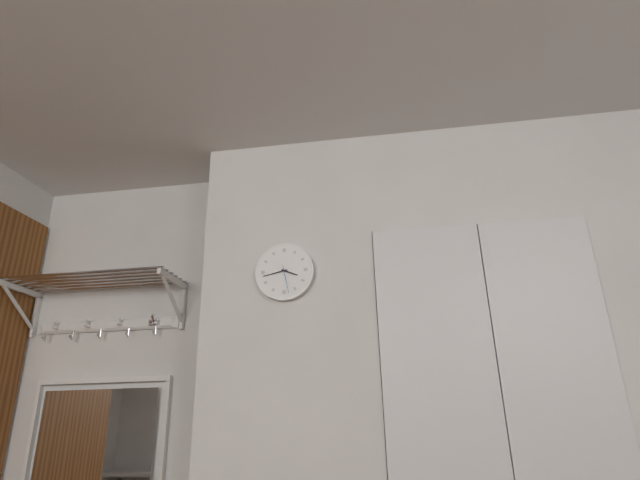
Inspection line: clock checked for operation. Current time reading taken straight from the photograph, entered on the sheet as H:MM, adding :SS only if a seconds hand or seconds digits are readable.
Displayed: 3:43
